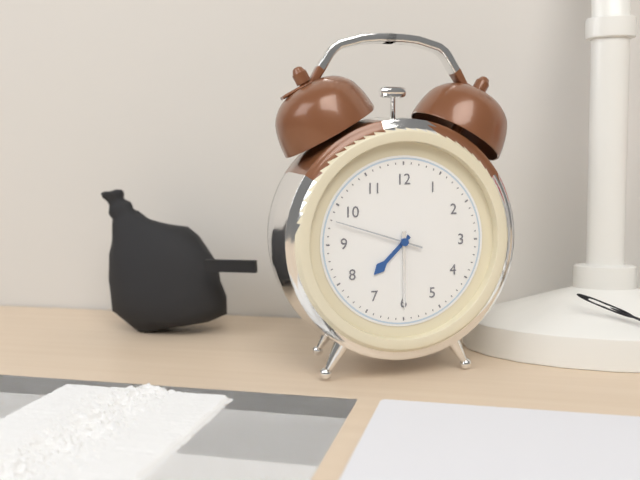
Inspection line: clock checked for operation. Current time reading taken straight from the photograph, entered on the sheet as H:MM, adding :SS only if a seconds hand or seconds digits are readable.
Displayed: 7:30:48
